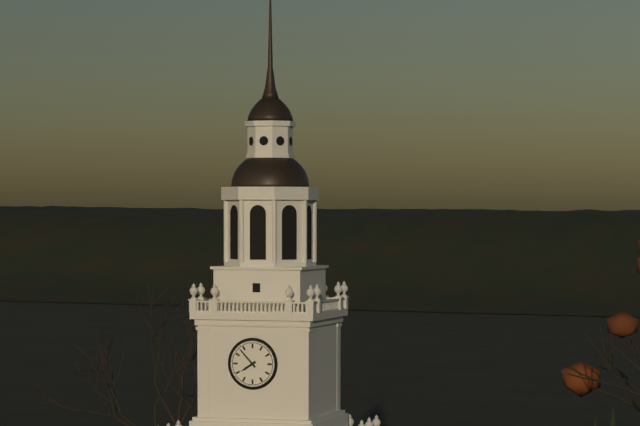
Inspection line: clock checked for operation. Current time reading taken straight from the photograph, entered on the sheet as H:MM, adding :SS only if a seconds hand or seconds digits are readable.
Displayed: 7:53
